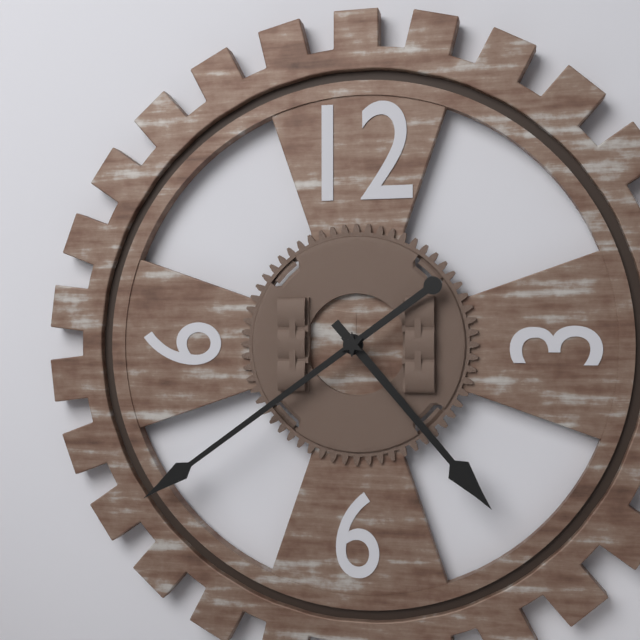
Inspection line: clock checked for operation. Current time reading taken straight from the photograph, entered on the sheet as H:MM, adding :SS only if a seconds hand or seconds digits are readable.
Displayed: 4:39
